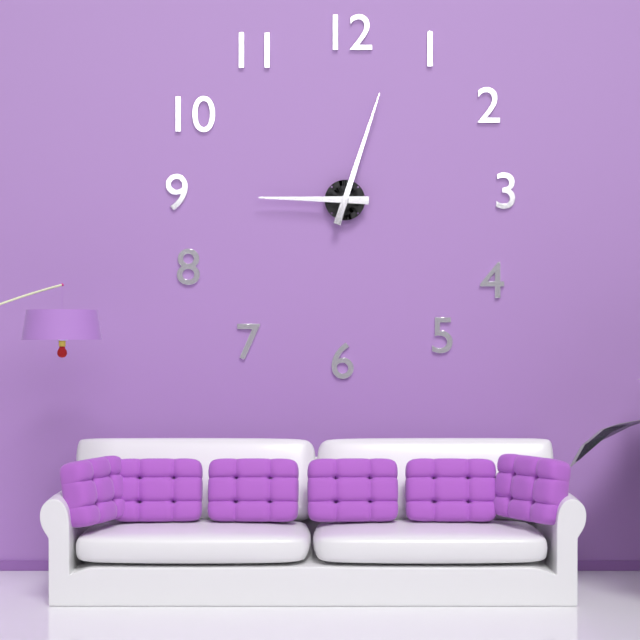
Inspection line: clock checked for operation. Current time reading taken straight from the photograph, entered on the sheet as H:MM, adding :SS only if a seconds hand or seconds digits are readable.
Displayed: 9:03
